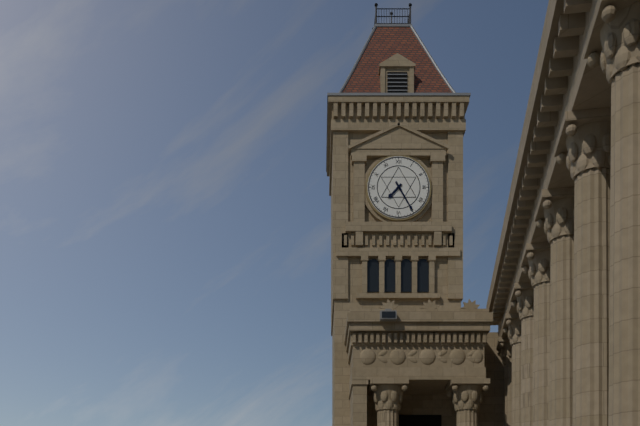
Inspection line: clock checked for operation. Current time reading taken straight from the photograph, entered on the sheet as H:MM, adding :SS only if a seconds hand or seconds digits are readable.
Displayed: 7:25
